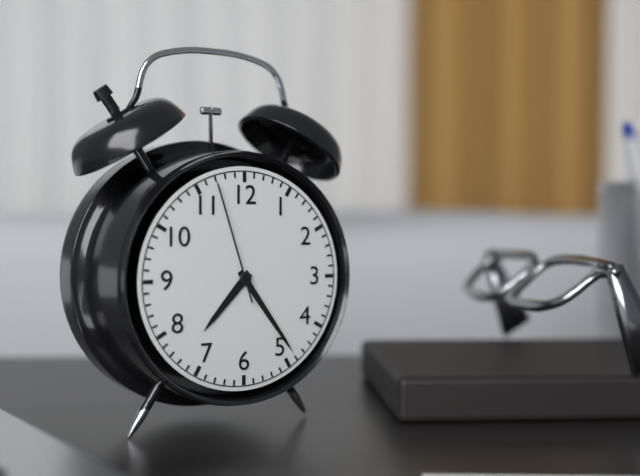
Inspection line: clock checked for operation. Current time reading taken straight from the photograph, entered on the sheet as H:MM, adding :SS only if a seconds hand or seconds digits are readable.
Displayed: 7:24:57
